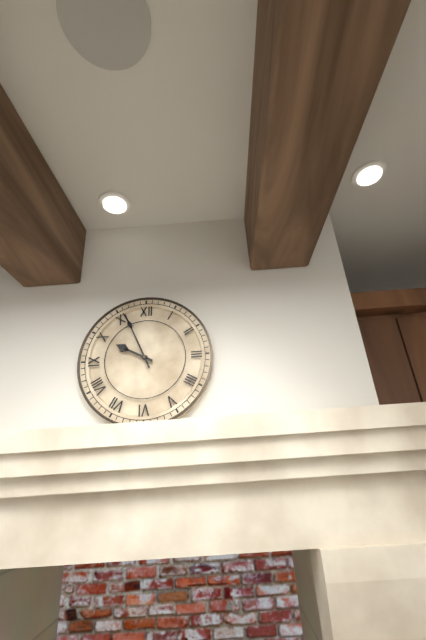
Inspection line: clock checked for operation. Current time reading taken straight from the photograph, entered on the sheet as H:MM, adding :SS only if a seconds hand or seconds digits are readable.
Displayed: 9:56
